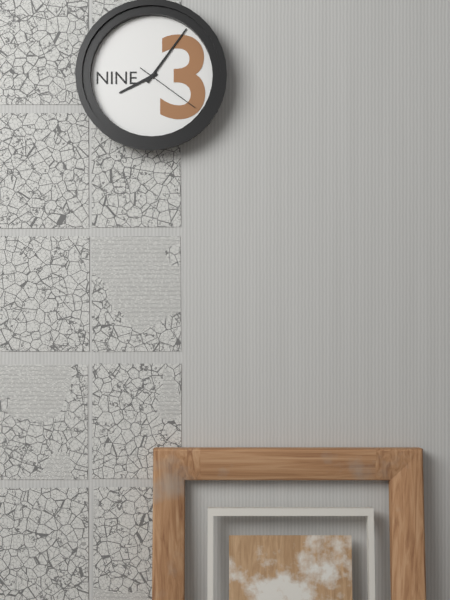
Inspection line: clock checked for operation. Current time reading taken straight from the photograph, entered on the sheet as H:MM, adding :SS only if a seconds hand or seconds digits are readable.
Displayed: 8:06:21
